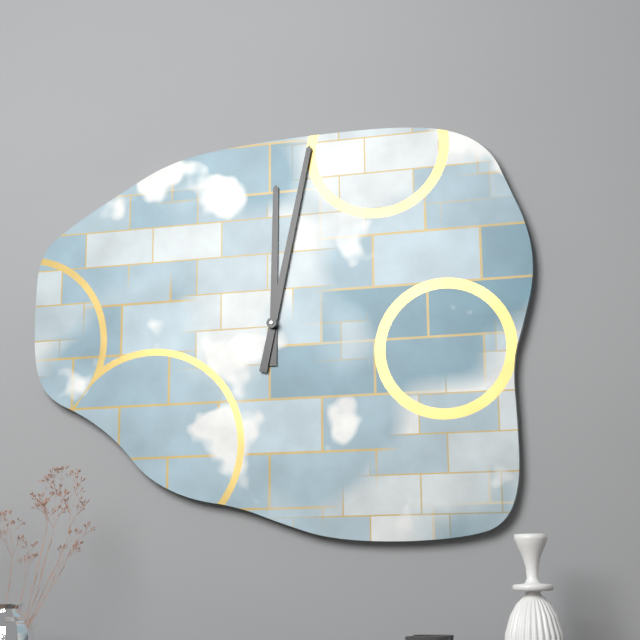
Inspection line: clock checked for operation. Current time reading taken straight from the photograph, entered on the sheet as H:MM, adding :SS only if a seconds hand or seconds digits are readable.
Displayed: 12:02
